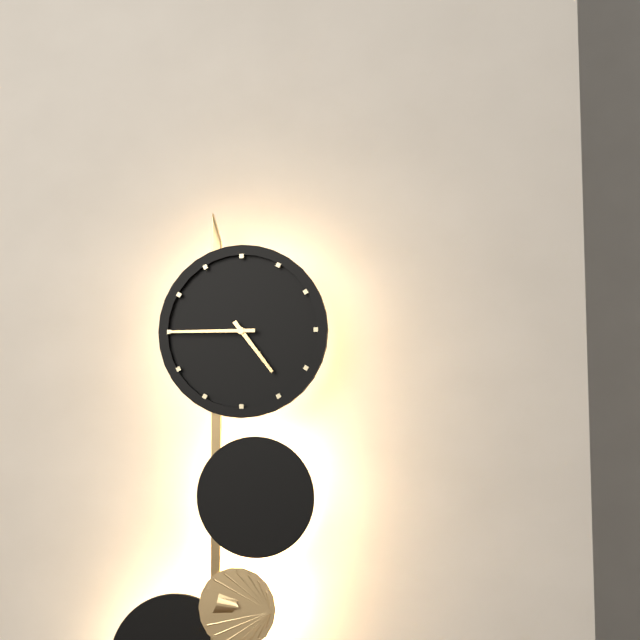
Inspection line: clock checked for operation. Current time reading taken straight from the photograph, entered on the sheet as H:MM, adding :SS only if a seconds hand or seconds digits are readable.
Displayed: 4:45
